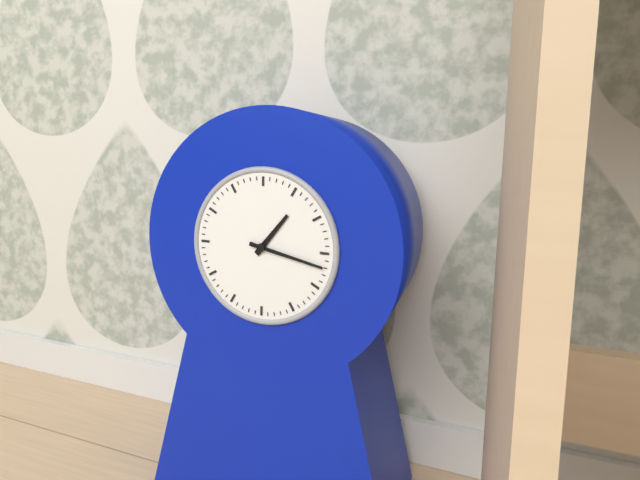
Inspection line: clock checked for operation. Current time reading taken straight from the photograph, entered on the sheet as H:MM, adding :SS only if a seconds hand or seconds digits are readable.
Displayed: 1:17
